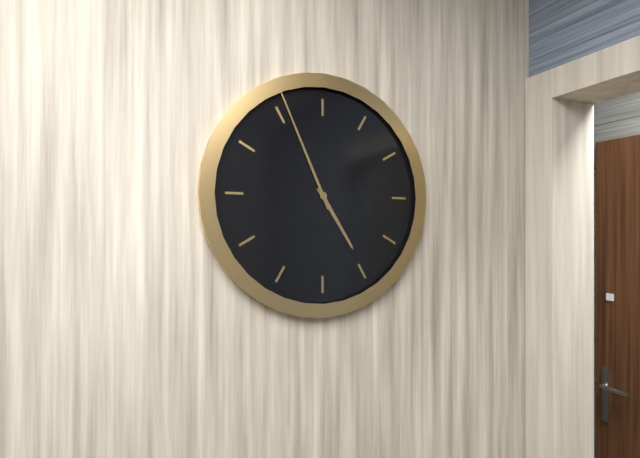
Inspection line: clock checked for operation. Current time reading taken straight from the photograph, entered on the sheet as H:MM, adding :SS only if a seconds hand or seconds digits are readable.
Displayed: 4:56
